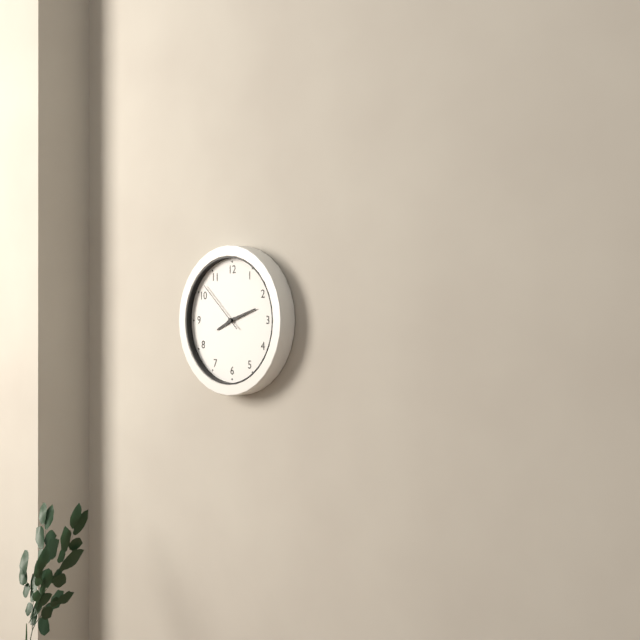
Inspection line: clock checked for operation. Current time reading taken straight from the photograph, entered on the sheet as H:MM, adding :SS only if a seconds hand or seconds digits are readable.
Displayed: 8:12:52
